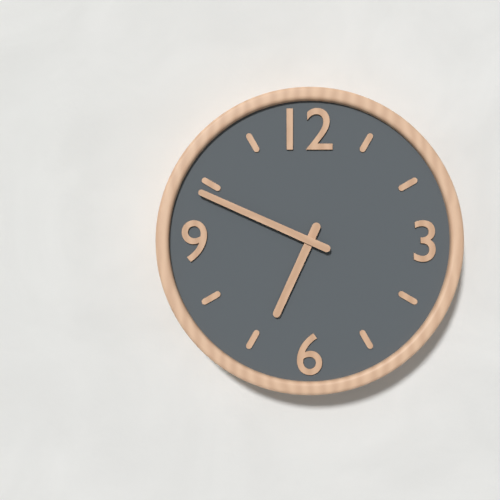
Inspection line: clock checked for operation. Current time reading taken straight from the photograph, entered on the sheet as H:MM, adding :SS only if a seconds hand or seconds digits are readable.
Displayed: 6:49
